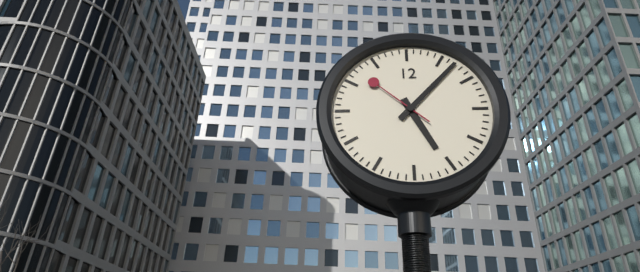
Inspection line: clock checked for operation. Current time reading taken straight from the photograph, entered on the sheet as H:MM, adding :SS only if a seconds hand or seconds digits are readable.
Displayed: 5:07:52
